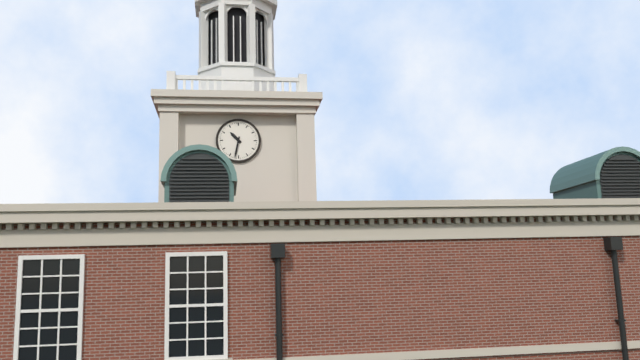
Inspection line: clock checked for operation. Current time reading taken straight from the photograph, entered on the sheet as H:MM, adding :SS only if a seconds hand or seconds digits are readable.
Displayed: 10:32
